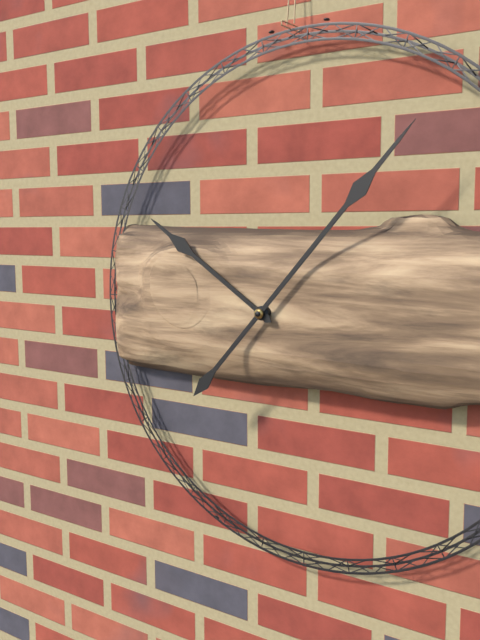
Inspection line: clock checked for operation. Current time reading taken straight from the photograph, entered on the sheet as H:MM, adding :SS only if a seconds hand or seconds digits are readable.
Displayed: 10:07
